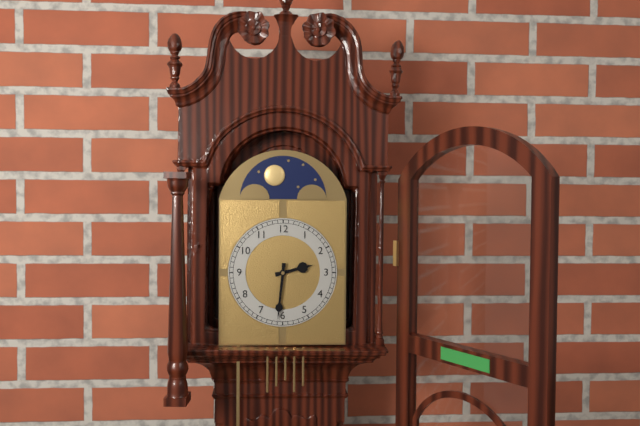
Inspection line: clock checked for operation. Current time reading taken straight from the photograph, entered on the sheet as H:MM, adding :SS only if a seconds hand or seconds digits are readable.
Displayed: 2:31
